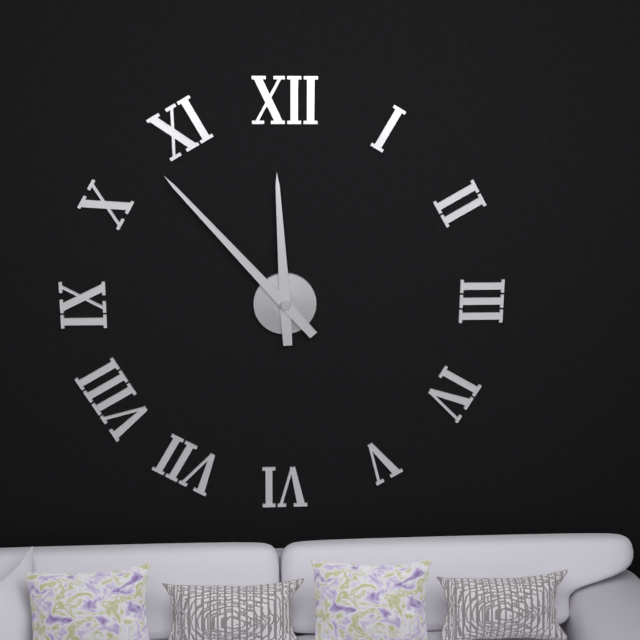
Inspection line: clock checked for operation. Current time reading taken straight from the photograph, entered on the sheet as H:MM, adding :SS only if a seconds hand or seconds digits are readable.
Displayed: 11:53
